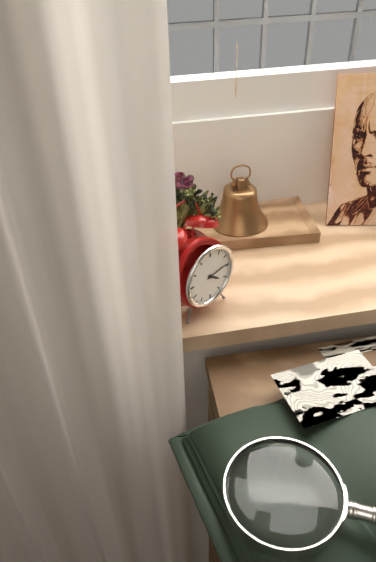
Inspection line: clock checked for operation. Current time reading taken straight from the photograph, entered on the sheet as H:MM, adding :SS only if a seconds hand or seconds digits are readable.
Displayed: 4:14
